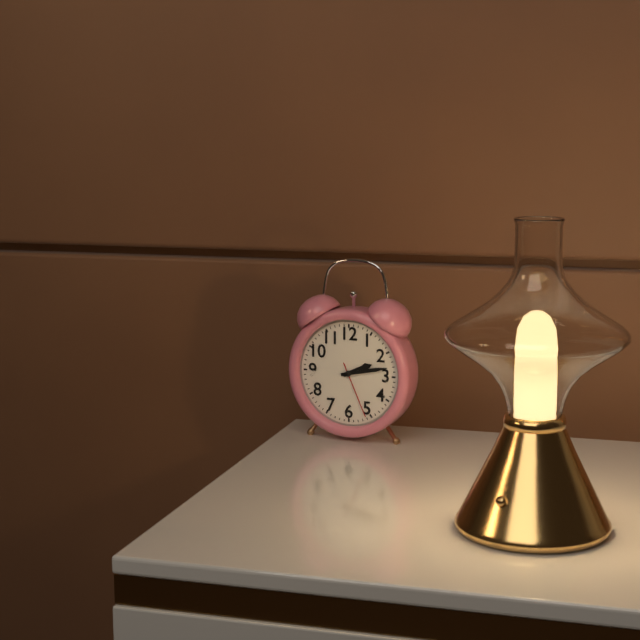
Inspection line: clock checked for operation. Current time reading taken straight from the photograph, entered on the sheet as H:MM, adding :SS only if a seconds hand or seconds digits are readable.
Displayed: 2:13:26
